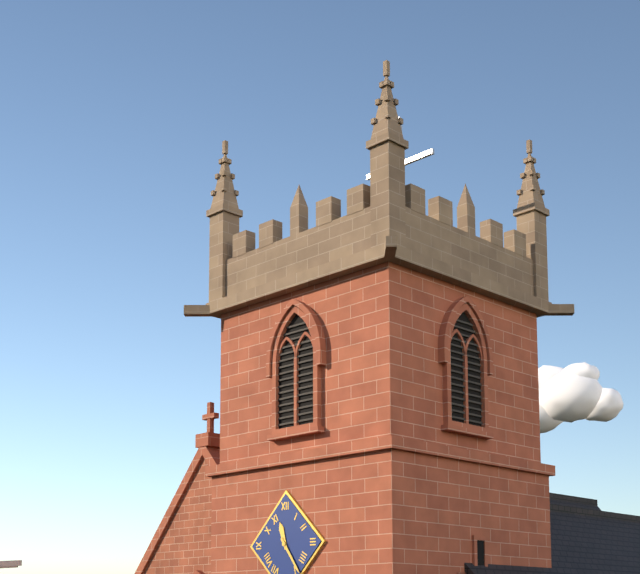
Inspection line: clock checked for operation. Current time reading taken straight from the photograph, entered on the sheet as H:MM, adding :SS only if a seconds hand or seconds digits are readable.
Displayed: 11:24
